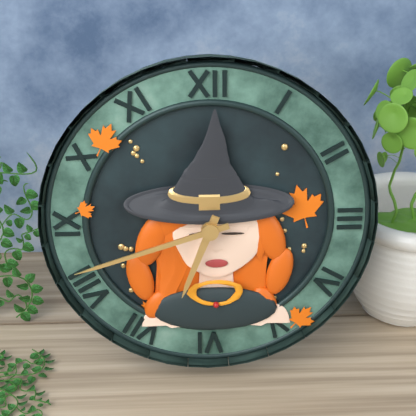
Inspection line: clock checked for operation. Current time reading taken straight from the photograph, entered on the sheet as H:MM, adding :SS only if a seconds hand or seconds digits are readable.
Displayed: 6:42
